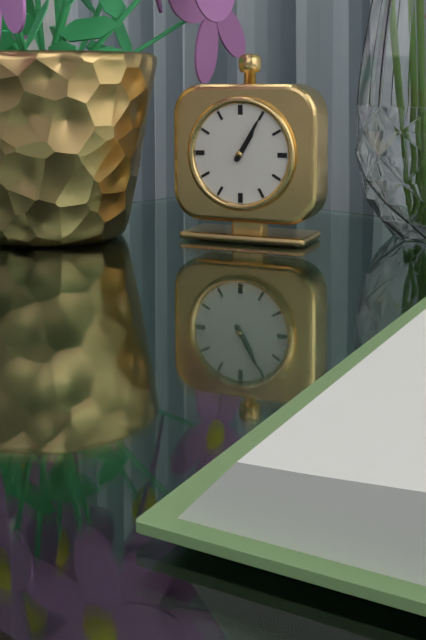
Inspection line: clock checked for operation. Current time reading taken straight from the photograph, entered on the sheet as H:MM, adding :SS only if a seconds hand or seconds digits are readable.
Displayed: 1:05
